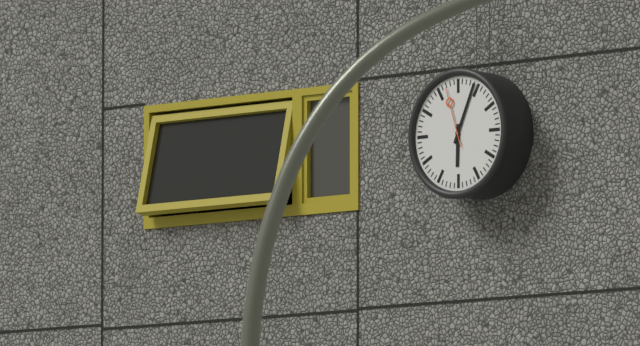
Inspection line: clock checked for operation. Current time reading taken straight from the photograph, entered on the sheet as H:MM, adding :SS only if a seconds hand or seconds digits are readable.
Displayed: 6:04:57
